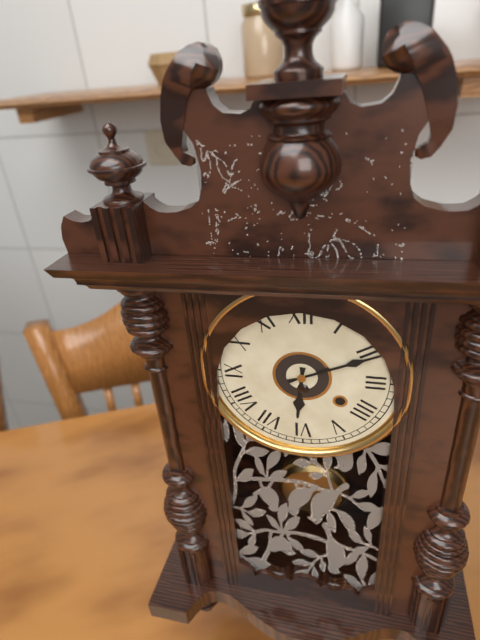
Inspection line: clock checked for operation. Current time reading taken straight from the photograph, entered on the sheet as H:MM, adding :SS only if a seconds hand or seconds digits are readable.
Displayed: 6:11
